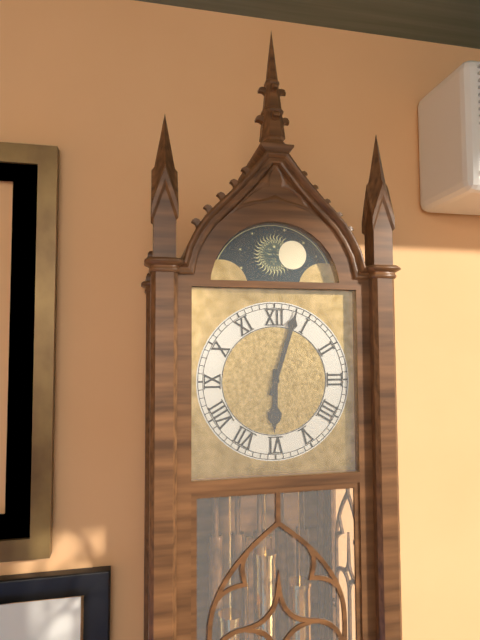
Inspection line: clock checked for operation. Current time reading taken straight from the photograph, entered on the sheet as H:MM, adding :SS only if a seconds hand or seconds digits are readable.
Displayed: 6:03
